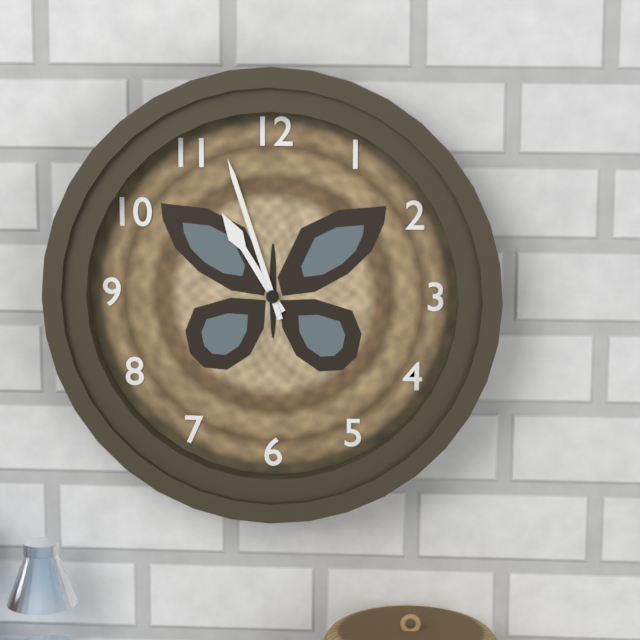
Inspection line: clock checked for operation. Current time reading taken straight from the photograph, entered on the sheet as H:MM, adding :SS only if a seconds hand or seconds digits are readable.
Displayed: 10:57
